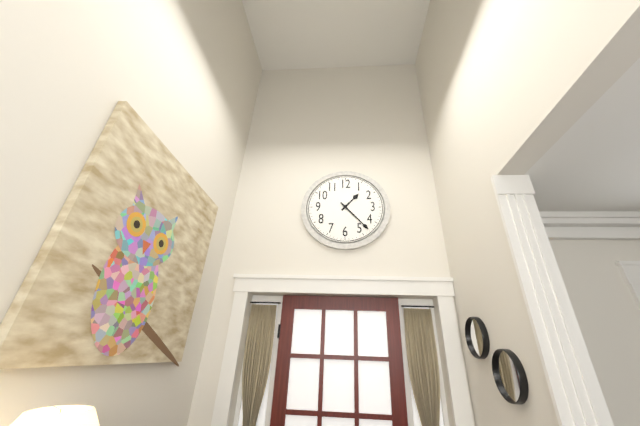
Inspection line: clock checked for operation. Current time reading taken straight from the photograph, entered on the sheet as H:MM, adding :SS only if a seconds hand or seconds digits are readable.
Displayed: 1:23
